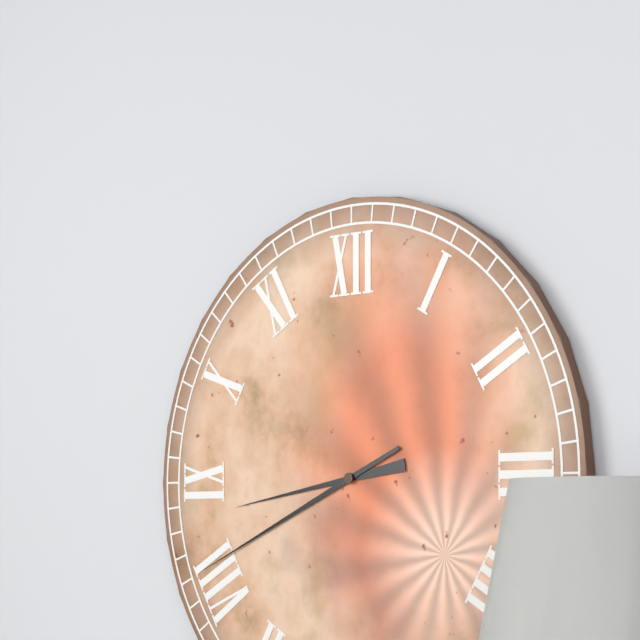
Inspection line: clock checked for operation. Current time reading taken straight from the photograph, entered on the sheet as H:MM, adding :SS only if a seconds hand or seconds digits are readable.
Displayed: 8:41
